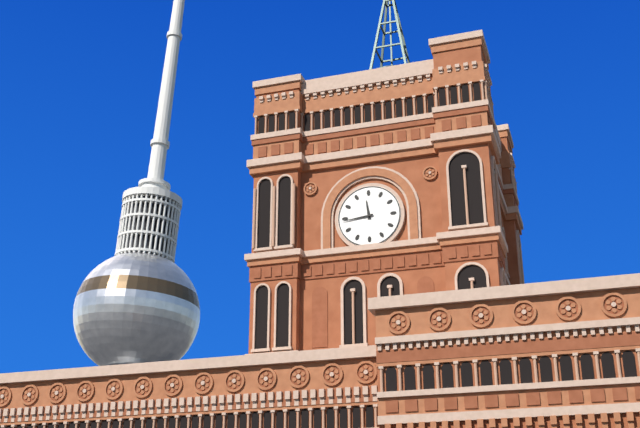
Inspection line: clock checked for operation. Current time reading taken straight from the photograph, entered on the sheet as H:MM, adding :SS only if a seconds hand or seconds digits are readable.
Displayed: 11:44
